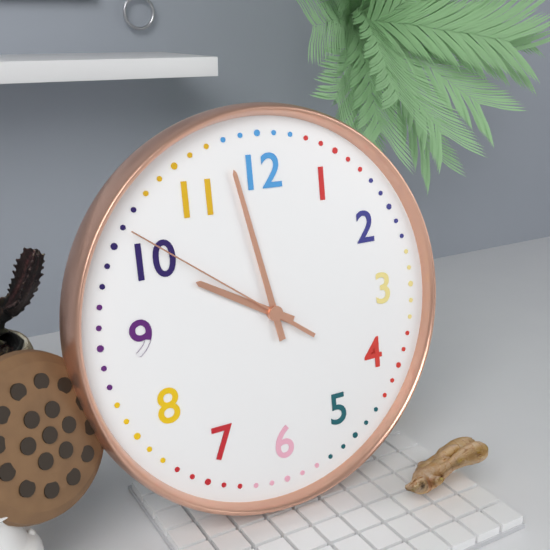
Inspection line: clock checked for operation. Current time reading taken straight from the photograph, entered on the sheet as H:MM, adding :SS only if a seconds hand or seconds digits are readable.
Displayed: 9:58:51
